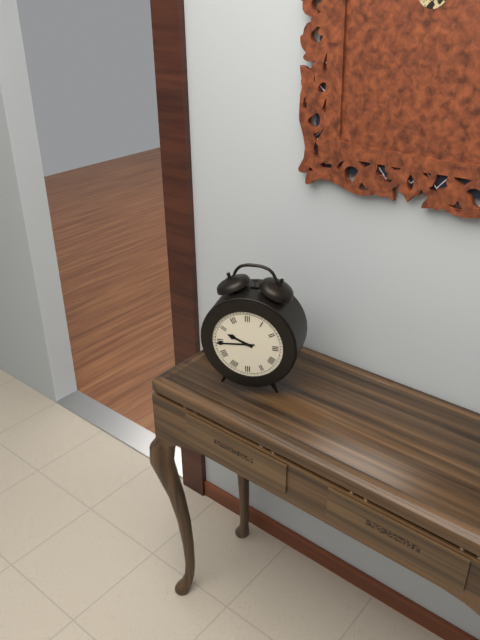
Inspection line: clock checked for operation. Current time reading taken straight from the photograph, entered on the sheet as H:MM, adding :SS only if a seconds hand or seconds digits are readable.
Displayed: 9:44
